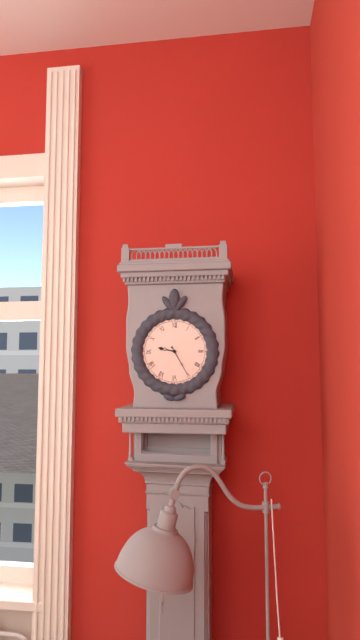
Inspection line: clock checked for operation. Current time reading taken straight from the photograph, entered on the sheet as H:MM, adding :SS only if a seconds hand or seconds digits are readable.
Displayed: 9:25
